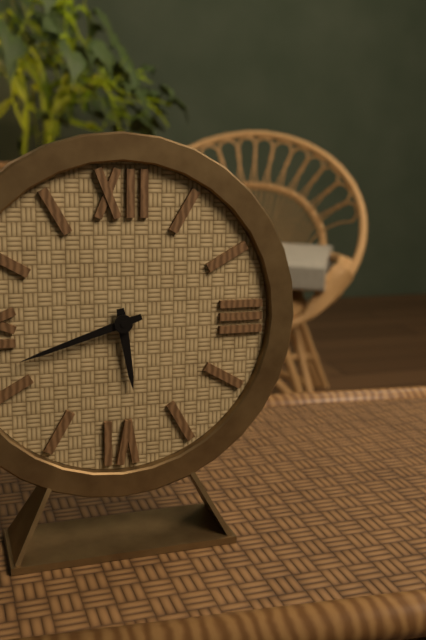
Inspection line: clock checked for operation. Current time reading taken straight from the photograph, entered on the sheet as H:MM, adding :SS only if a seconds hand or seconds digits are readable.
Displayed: 5:42
